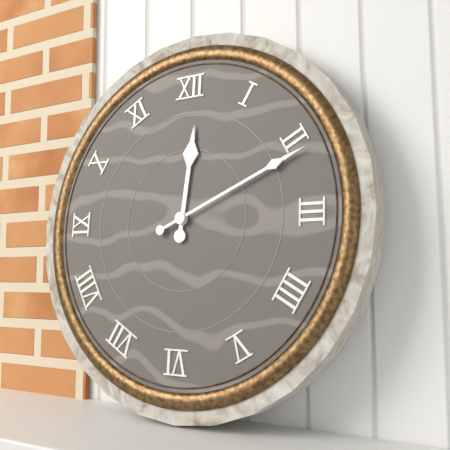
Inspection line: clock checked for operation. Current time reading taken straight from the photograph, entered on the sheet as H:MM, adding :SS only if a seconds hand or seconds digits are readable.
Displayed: 12:11
